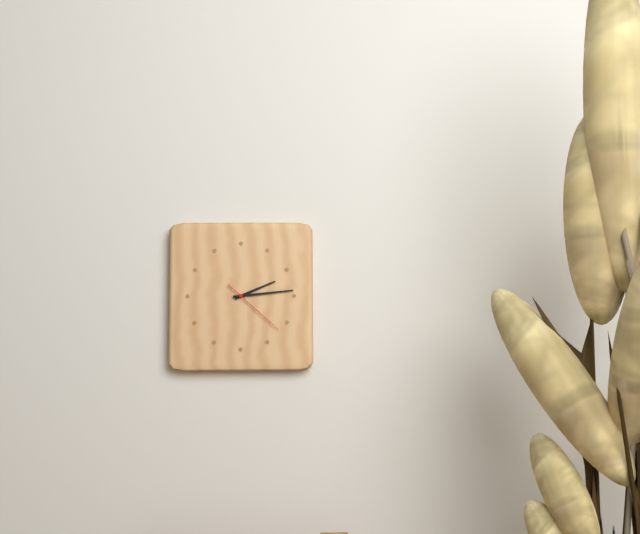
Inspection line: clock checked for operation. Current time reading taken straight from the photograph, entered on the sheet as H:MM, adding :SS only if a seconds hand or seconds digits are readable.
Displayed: 2:14:22
